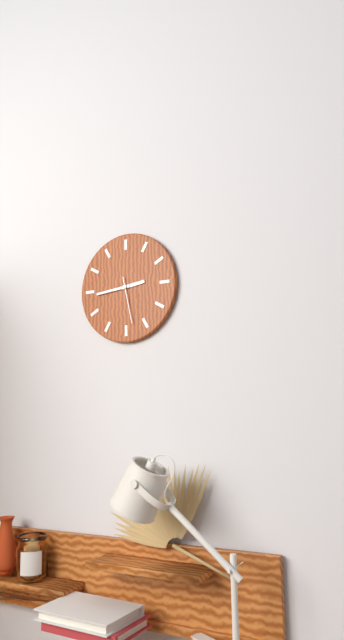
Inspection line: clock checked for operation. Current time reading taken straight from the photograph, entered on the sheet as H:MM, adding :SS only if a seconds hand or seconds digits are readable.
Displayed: 2:44
